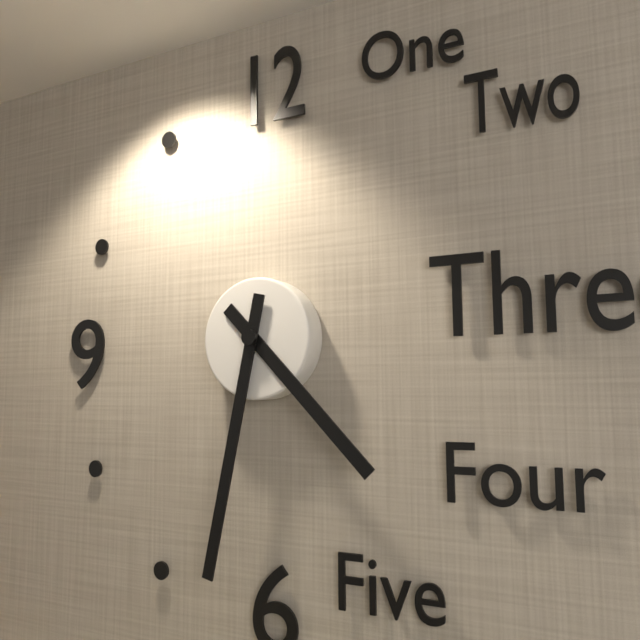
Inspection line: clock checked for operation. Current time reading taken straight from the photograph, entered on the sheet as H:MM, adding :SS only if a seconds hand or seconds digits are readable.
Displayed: 4:32
